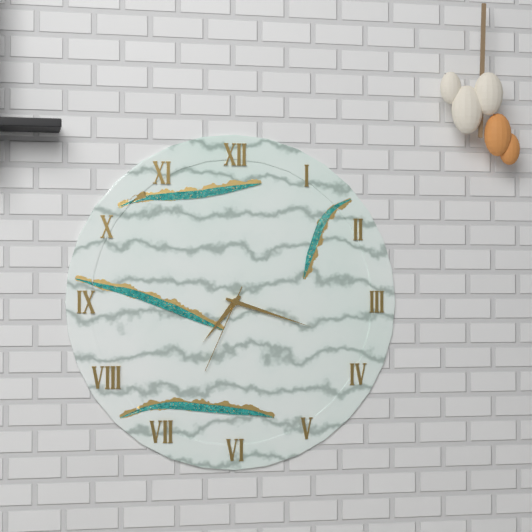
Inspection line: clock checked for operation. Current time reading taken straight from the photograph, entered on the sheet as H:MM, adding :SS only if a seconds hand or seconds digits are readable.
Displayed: 7:18:34
